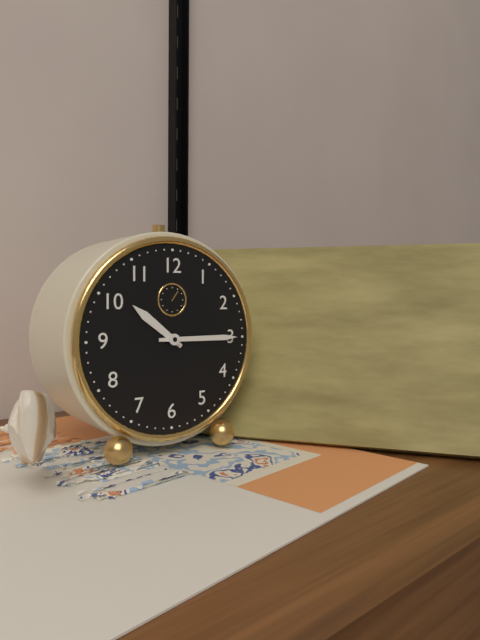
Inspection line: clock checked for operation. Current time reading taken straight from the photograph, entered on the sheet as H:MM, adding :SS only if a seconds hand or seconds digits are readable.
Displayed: 10:15
